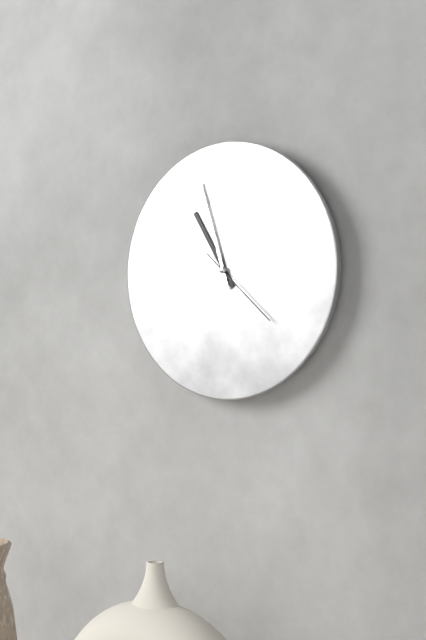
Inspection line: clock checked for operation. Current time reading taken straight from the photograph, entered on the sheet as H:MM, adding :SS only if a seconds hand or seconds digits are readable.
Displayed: 10:57:22
